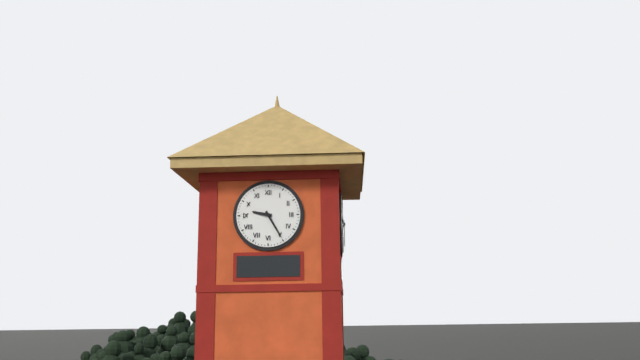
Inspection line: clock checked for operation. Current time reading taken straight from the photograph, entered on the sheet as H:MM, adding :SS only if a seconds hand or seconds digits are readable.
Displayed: 9:25
